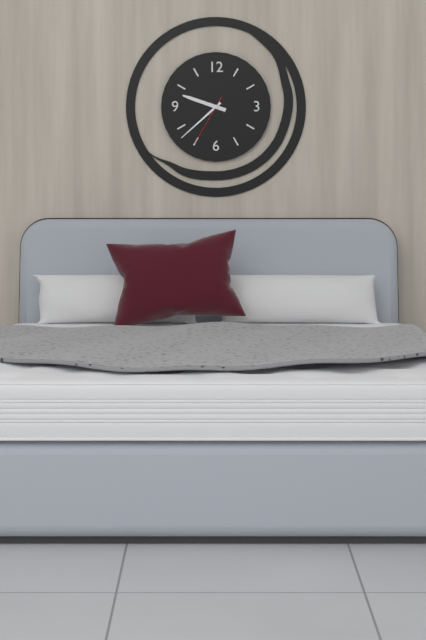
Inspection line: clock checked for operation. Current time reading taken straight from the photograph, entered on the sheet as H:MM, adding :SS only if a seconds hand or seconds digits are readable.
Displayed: 9:38:35
